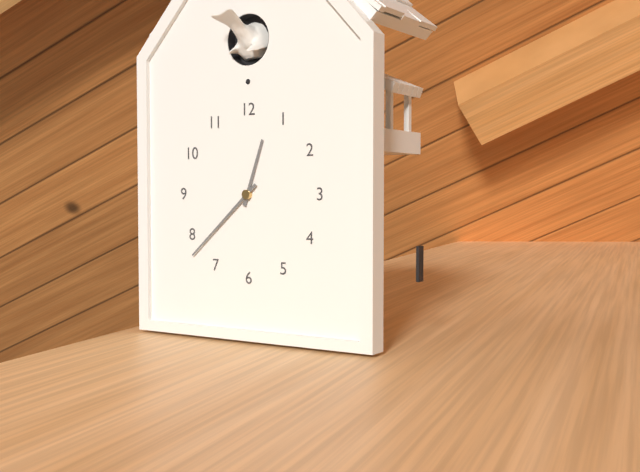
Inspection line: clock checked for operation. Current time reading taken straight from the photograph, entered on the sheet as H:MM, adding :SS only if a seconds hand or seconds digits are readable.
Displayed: 12:38
